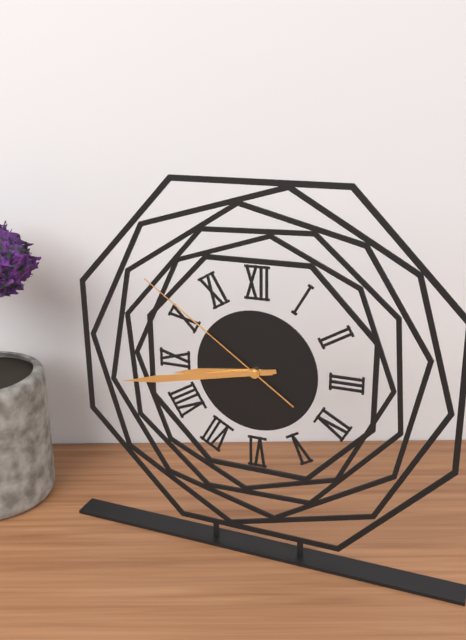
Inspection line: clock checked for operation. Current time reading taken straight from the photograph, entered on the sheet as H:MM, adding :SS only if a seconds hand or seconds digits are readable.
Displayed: 8:43:51
